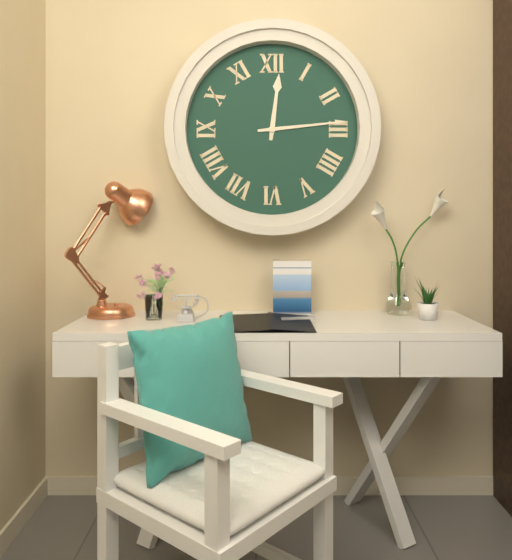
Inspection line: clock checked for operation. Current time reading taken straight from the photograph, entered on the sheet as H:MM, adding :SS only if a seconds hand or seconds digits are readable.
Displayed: 12:14
